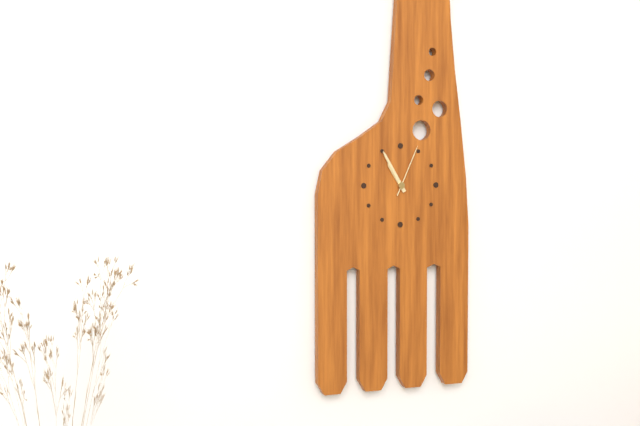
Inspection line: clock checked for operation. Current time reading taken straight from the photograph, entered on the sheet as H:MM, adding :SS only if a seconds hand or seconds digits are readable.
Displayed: 10:55:04
